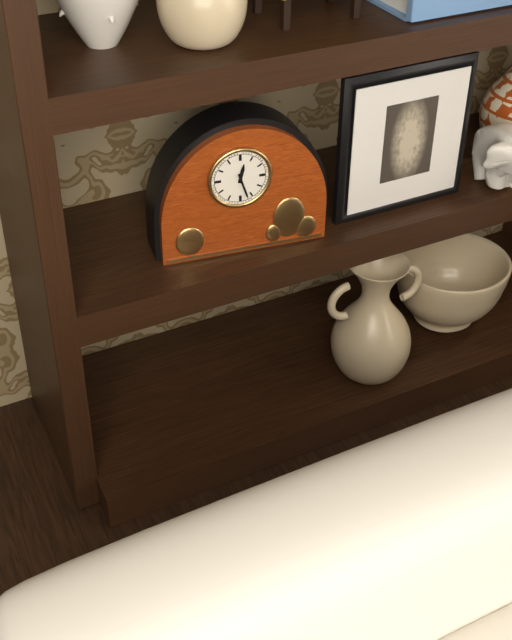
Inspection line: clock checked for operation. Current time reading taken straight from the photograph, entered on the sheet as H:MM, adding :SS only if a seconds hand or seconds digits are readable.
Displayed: 12:27
